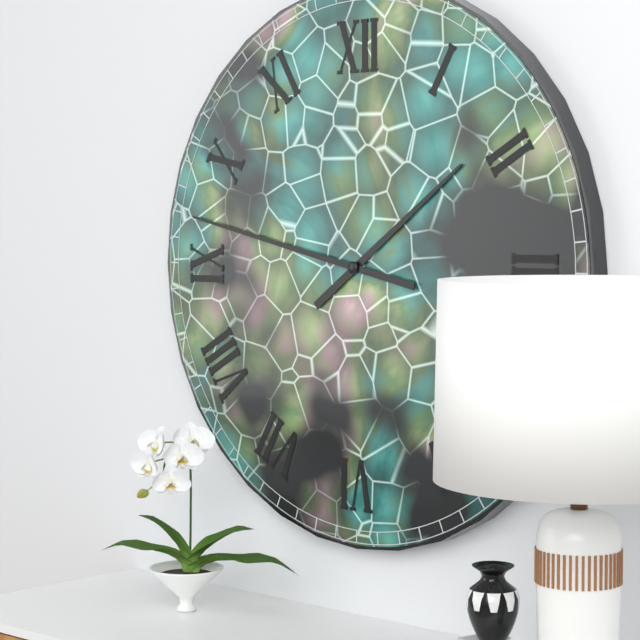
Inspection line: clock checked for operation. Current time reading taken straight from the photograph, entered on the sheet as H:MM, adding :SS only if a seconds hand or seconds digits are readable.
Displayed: 1:47
